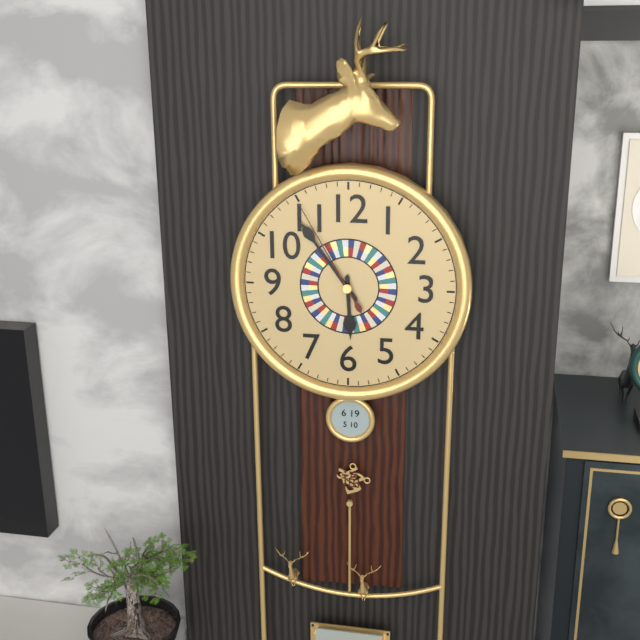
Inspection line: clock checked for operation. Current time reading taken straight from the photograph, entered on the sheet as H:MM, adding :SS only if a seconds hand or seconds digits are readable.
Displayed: 5:54:55
